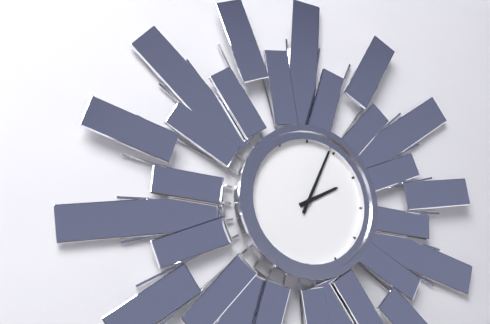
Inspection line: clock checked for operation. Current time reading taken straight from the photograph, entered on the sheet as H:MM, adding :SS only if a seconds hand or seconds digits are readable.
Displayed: 2:04
